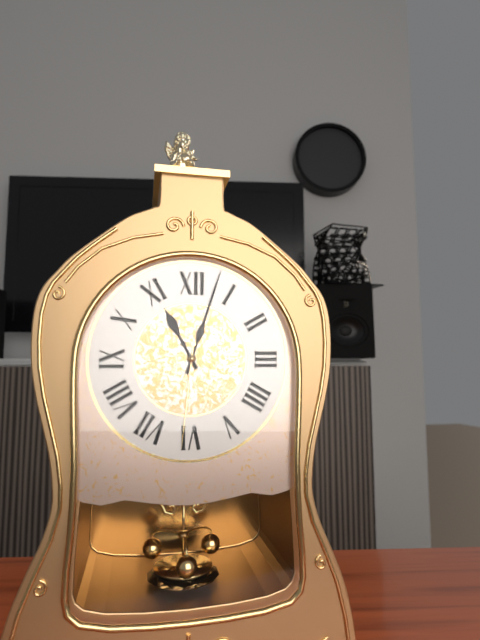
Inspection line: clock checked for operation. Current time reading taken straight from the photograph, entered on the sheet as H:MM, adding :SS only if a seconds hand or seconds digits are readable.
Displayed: 11:03:31
